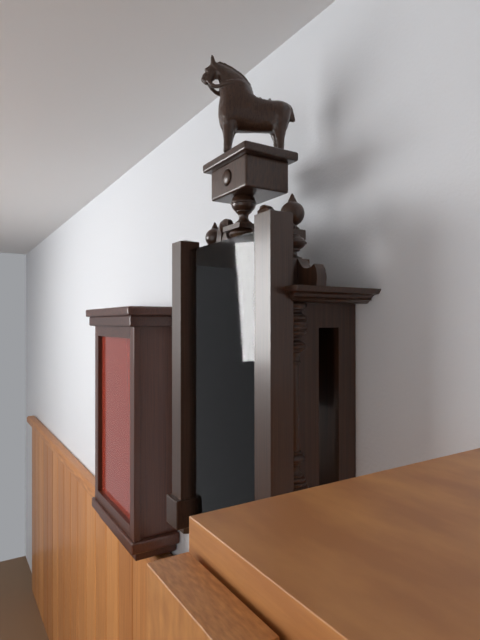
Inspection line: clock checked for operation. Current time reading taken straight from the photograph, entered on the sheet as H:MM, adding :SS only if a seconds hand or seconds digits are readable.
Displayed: 6:23
